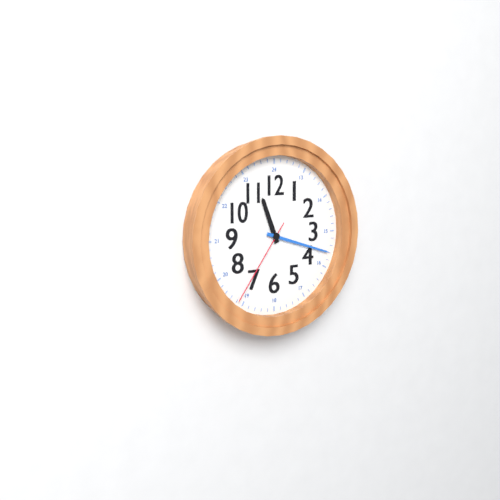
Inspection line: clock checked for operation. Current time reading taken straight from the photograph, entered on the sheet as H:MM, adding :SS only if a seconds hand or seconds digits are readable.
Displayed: 11:18:36
